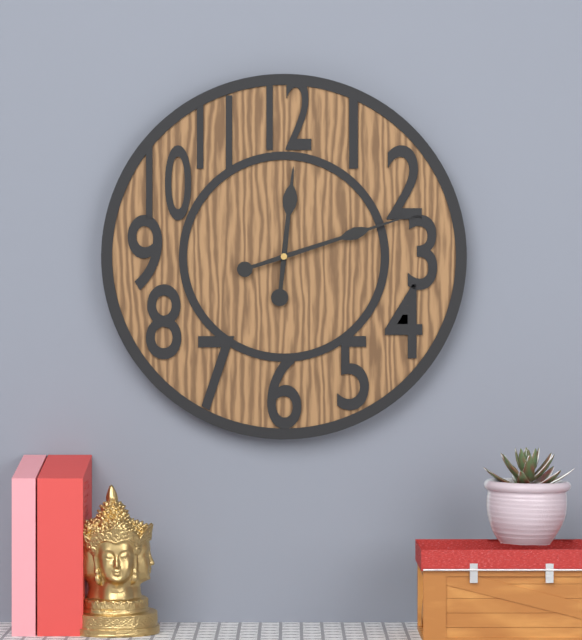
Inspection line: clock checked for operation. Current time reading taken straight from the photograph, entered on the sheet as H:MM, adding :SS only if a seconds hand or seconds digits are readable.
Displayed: 12:12
